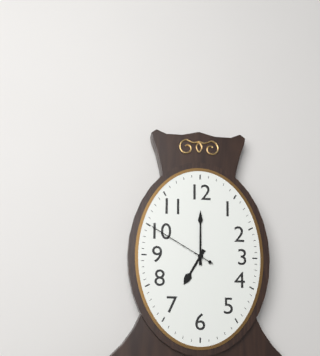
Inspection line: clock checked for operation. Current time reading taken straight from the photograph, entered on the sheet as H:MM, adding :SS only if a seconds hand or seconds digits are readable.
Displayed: 7:00:50
